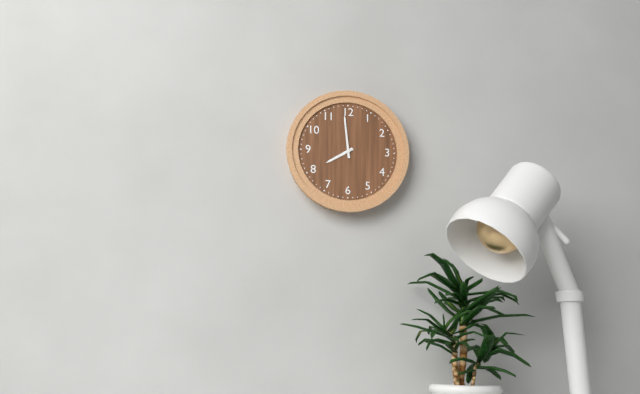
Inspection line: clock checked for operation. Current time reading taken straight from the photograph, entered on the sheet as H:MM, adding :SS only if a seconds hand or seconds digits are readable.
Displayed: 7:59
